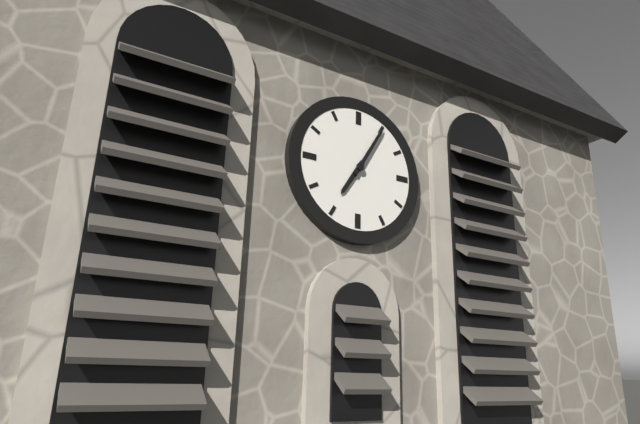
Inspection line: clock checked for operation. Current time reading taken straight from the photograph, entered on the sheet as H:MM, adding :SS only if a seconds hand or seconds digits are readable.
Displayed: 7:05
